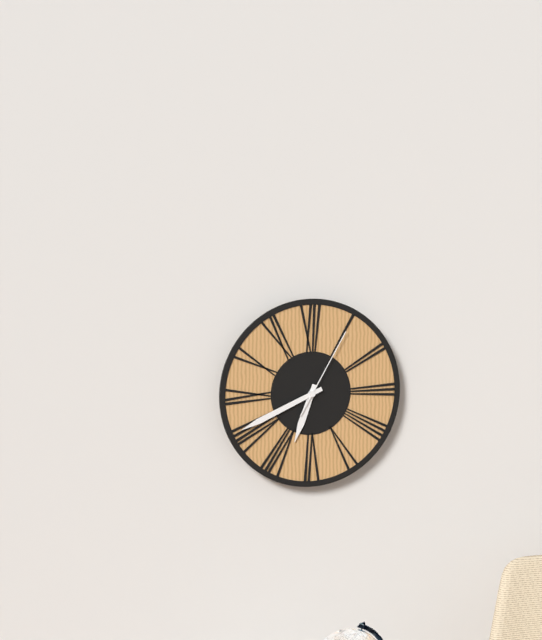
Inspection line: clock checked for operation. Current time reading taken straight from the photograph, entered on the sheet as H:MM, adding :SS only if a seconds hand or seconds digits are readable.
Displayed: 6:41:05
